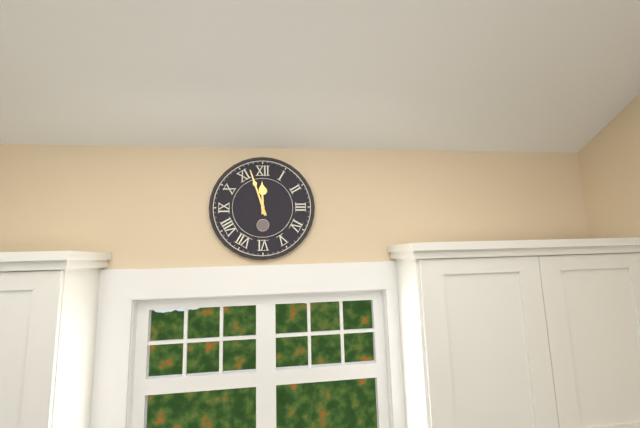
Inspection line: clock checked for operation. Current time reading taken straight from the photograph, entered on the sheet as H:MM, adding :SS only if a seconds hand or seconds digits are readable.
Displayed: 11:57
